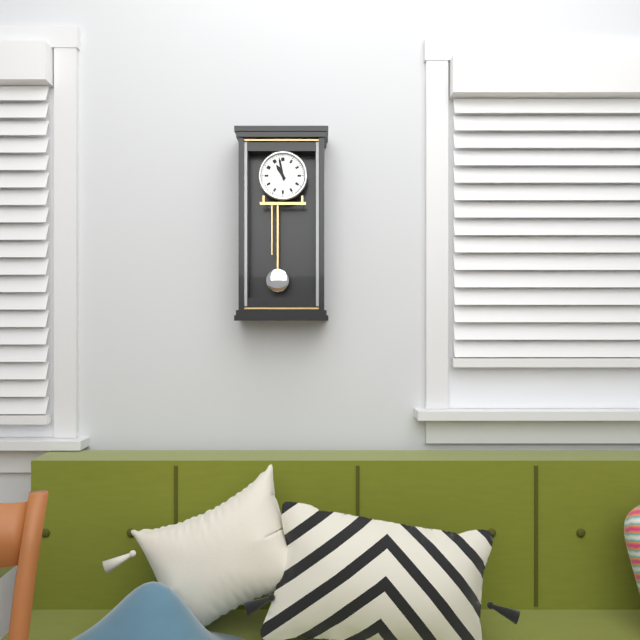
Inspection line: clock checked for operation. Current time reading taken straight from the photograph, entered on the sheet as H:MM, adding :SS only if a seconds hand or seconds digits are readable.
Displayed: 10:58
